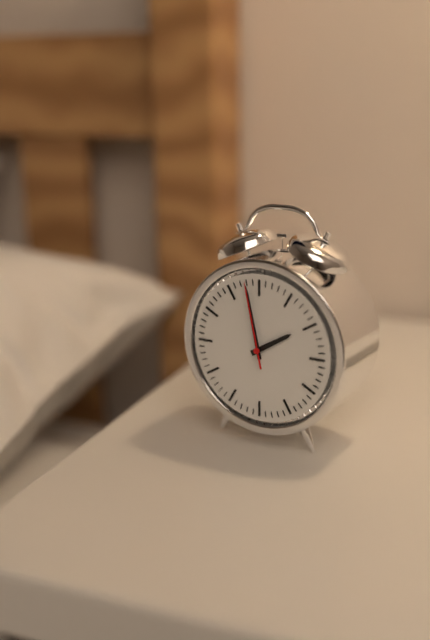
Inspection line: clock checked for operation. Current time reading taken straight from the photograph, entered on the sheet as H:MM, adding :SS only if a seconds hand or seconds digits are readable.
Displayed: 1:58:58
